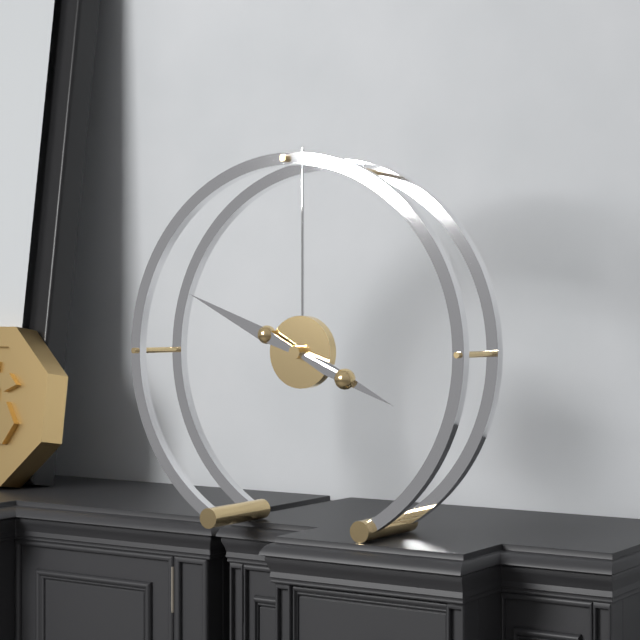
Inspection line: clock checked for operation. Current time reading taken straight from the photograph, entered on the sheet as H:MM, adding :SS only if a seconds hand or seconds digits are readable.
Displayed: 3:49
